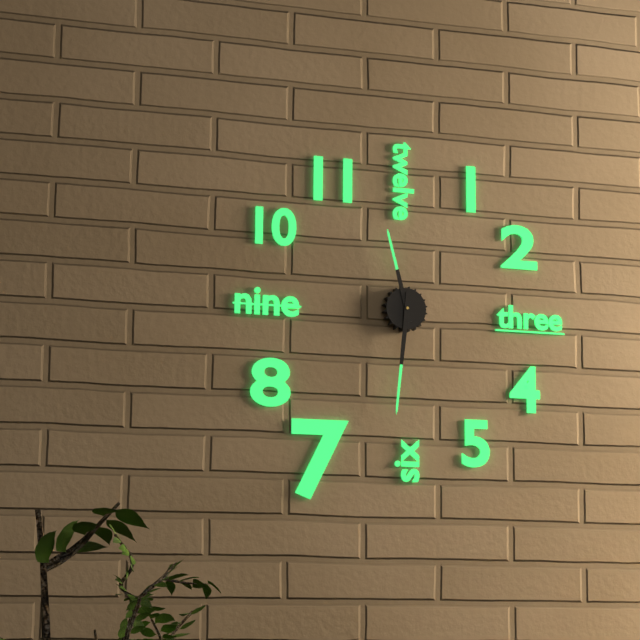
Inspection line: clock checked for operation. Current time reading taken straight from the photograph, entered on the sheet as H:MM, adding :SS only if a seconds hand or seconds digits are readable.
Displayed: 11:31
